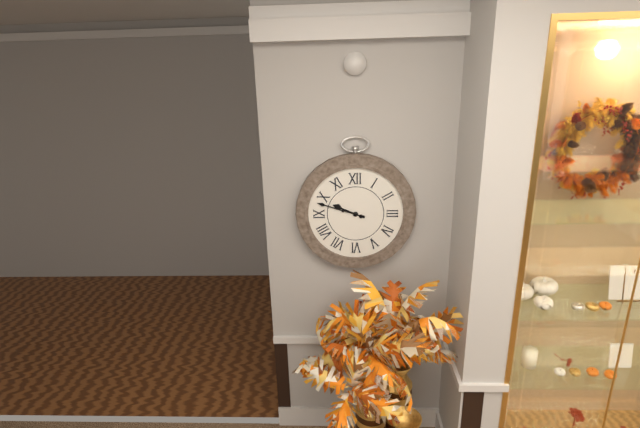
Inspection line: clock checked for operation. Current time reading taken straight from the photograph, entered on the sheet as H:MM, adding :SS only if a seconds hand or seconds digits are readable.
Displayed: 9:48
